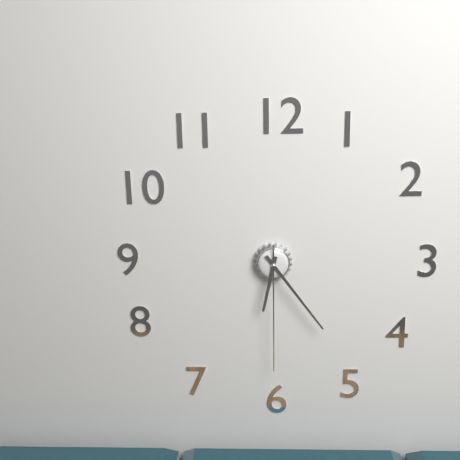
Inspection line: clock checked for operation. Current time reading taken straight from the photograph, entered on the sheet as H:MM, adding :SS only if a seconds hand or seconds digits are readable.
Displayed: 6:24:30
